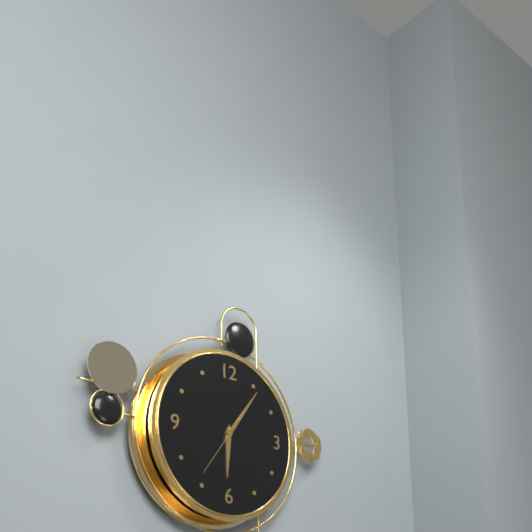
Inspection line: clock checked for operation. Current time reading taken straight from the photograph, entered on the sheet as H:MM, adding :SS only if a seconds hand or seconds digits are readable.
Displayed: 6:06:36
